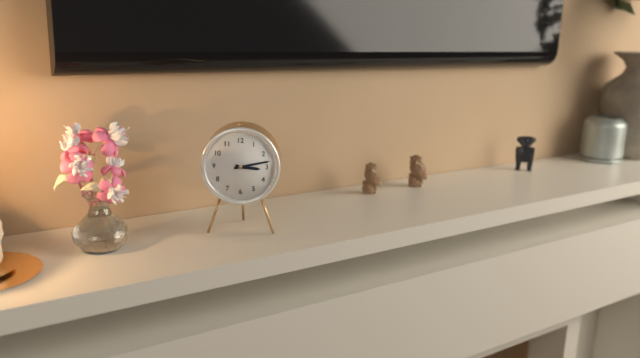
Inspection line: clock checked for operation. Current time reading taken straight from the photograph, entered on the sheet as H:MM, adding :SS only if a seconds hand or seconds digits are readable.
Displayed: 3:13
